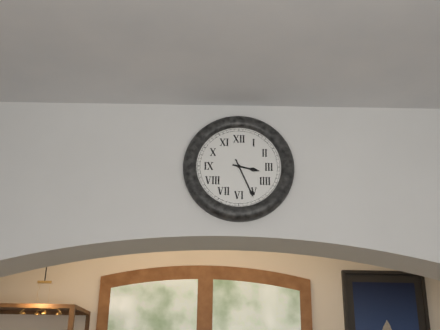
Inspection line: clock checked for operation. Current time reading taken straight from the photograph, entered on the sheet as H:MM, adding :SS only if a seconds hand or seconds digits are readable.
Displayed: 3:26
